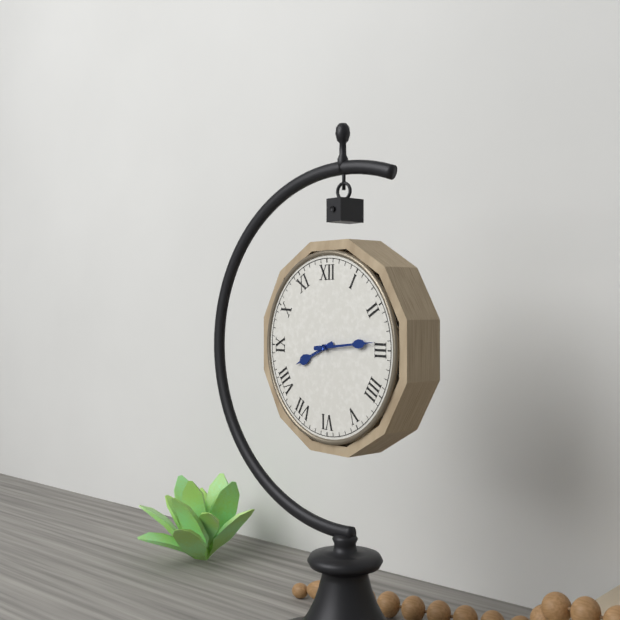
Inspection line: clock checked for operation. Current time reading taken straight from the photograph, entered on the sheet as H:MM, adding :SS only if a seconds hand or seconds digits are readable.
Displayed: 8:14
